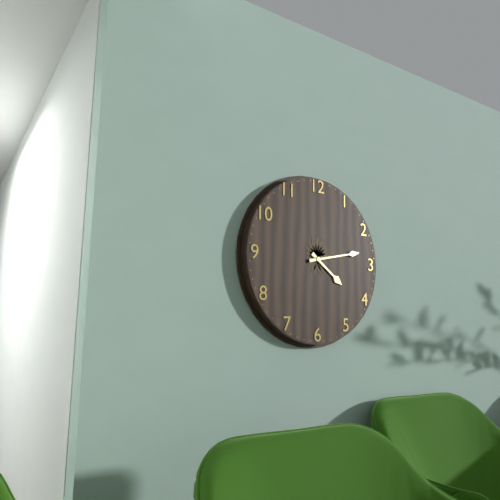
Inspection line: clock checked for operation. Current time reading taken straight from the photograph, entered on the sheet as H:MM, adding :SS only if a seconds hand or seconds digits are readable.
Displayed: 4:13
